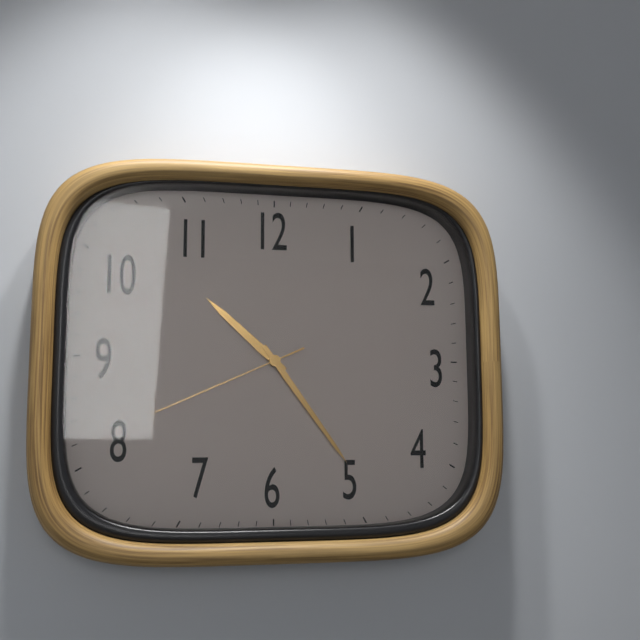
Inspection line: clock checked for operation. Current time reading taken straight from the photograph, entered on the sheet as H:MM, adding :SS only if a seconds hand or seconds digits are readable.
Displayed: 10:24:41
